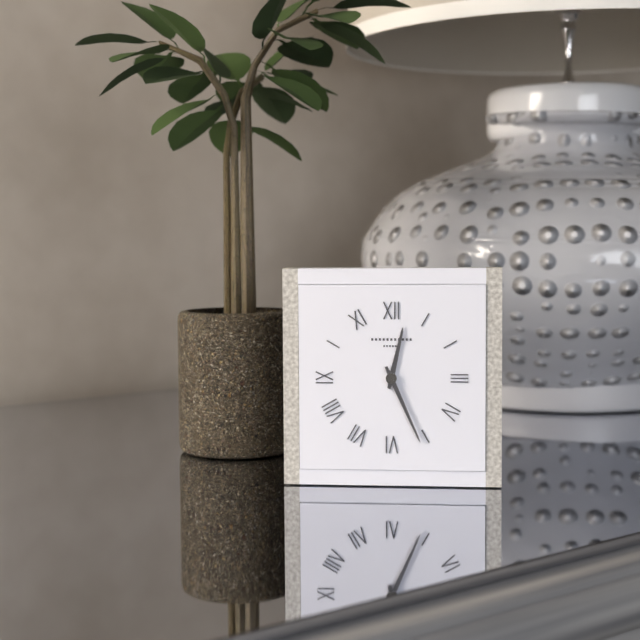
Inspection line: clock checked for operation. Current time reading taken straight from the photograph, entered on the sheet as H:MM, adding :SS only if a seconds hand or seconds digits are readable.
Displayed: 12:26
